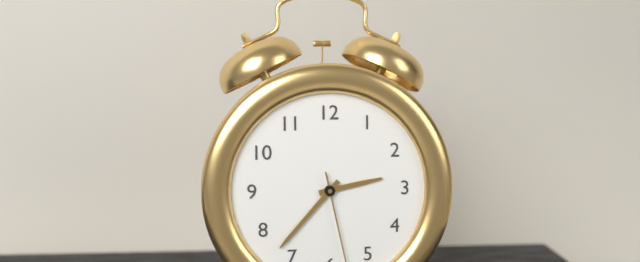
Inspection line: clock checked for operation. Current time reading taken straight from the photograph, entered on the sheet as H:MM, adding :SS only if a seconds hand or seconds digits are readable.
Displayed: 2:37
